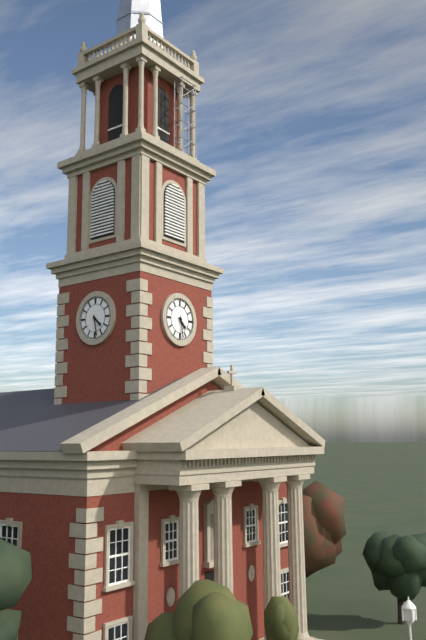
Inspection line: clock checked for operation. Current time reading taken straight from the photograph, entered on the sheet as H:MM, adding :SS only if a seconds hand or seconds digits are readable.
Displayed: 4:28
